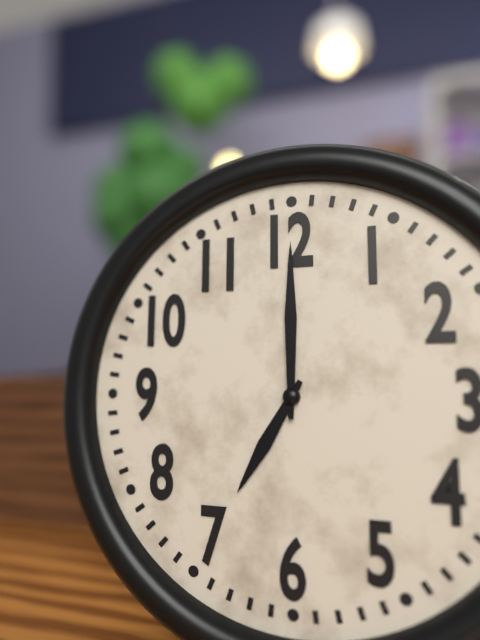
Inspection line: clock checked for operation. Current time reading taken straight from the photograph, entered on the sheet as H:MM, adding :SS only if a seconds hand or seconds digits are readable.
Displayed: 7:00
